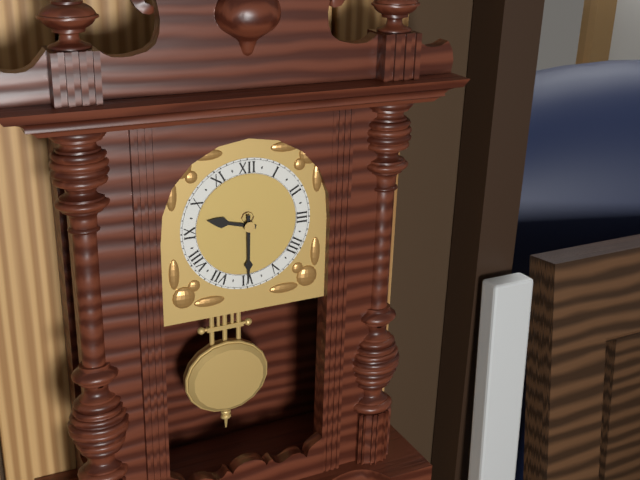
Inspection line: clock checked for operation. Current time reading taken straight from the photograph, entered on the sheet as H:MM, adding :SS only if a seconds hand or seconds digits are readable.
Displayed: 9:30
